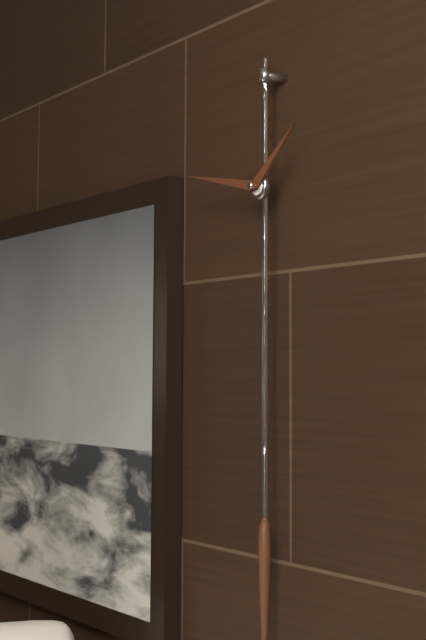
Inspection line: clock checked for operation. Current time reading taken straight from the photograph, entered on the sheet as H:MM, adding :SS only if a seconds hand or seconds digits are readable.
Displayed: 1:47
